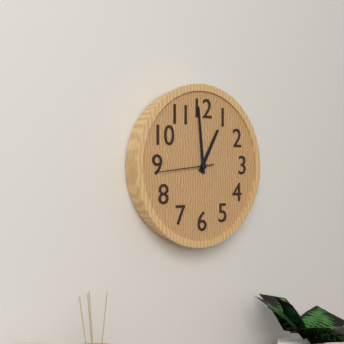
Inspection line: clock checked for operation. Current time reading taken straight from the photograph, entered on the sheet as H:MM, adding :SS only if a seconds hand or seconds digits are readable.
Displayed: 12:59:44
